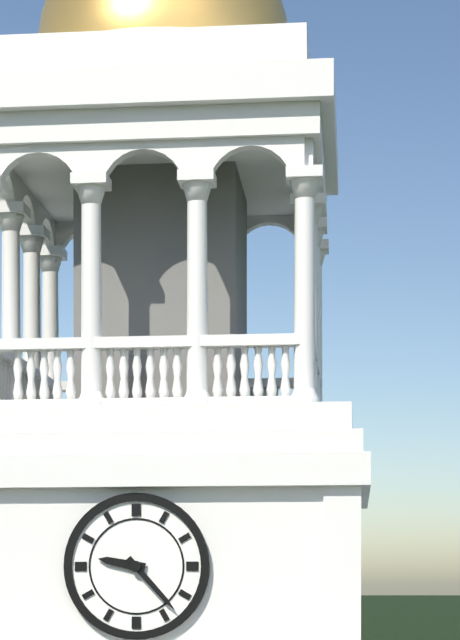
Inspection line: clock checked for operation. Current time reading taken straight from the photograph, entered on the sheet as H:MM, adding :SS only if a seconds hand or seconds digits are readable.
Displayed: 9:23
